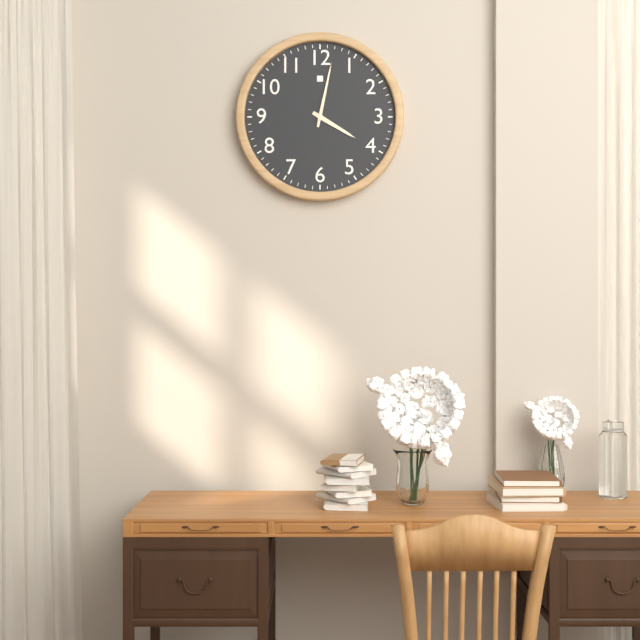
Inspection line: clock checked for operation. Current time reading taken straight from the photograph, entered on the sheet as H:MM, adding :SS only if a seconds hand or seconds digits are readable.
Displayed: 4:02
